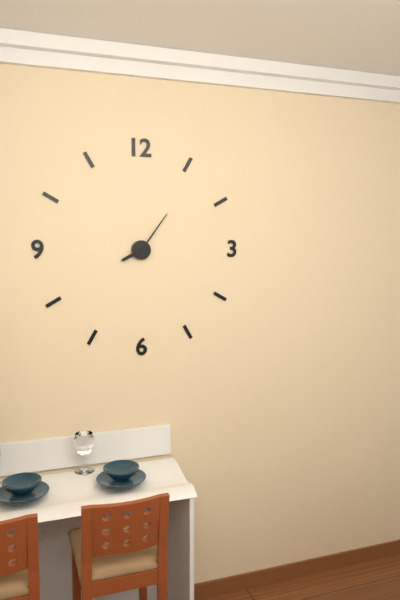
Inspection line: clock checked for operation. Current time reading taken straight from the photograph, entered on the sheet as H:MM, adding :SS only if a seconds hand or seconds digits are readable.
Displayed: 8:06
